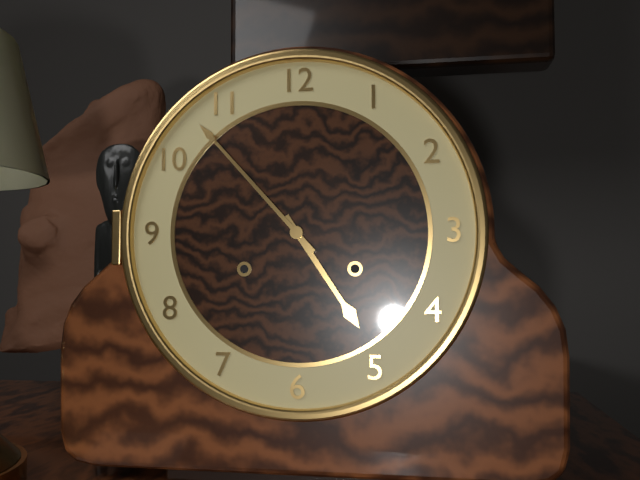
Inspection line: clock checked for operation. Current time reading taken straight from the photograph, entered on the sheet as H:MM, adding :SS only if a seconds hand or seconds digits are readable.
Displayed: 4:53
